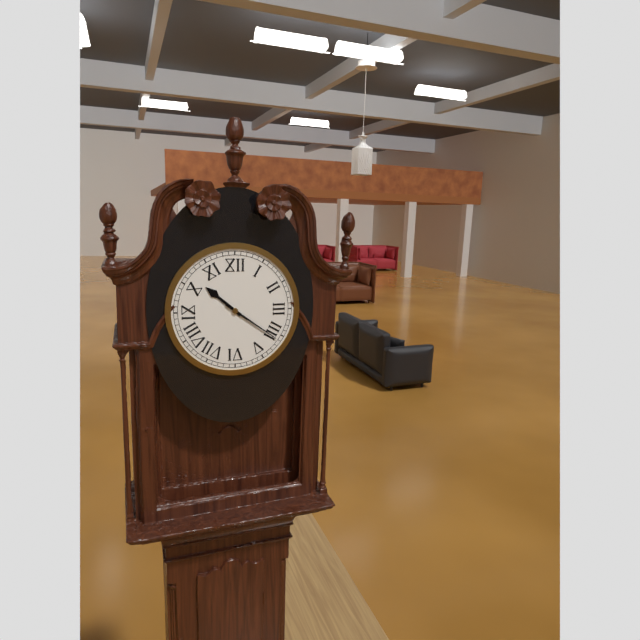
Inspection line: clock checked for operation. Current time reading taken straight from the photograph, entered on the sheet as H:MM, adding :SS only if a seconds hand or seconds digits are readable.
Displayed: 10:21
